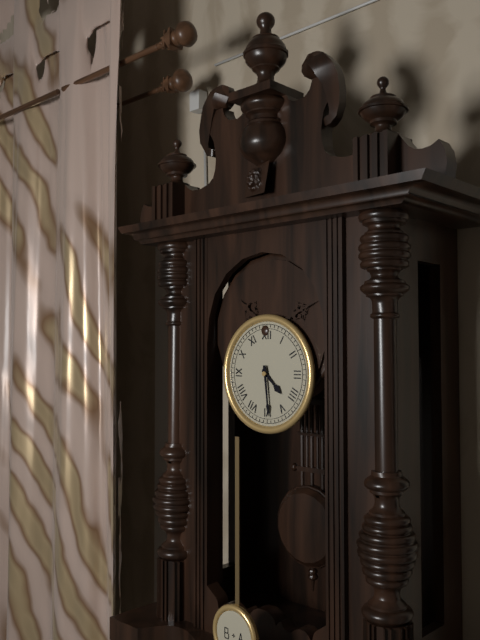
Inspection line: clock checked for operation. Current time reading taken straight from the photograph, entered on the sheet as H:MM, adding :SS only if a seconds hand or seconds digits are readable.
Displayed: 4:29
